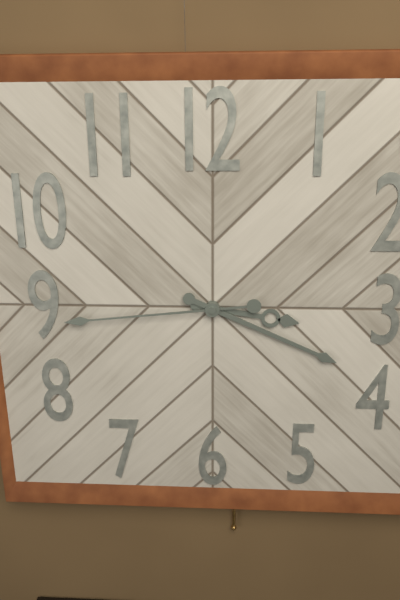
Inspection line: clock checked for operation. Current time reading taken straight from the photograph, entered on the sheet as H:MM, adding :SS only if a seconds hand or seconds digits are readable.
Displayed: 3:19:44
